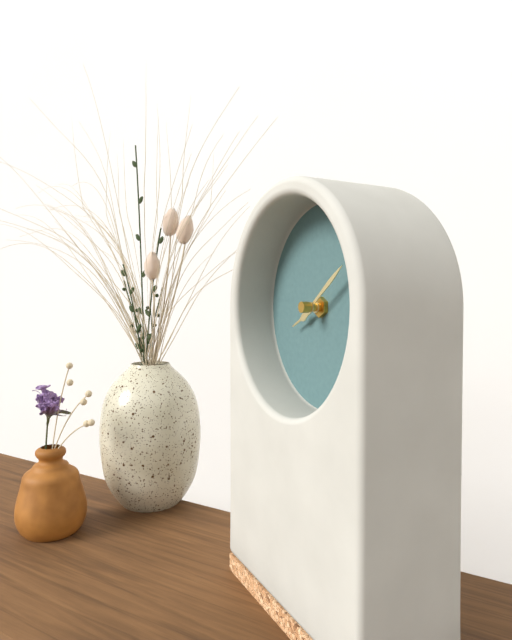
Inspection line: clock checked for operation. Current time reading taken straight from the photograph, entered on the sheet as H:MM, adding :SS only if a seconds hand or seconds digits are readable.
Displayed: 8:09
